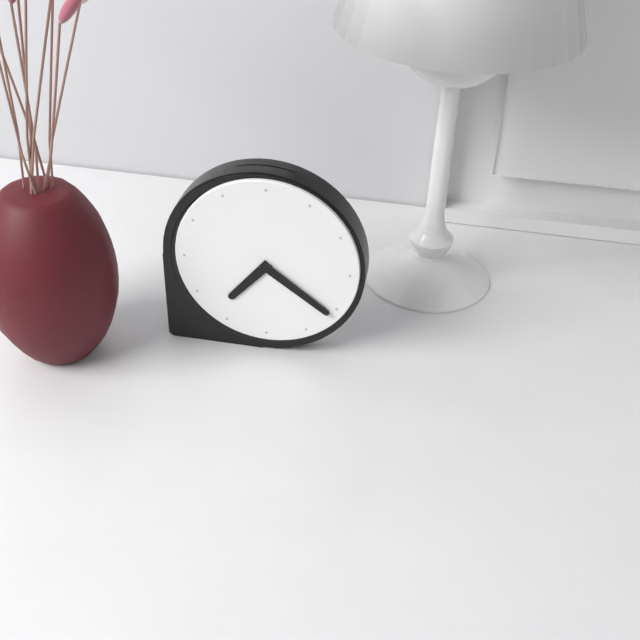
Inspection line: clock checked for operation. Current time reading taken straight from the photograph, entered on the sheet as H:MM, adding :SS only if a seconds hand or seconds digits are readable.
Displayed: 7:21
